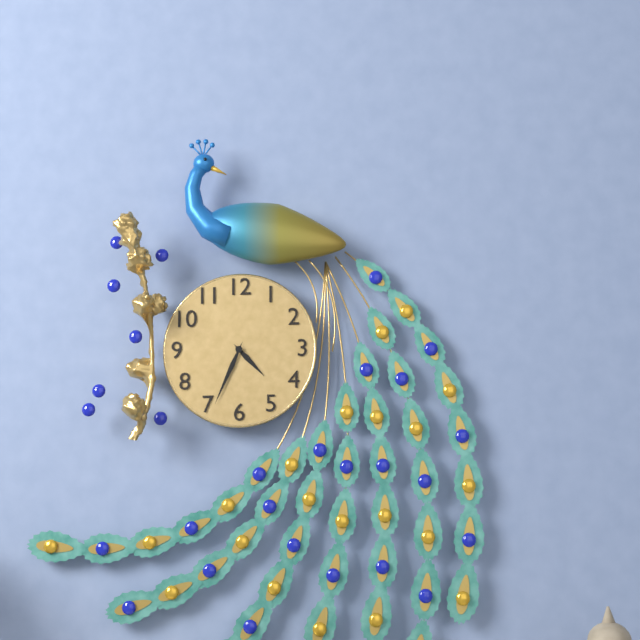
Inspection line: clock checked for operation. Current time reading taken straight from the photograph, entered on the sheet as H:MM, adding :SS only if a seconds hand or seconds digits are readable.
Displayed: 4:34
